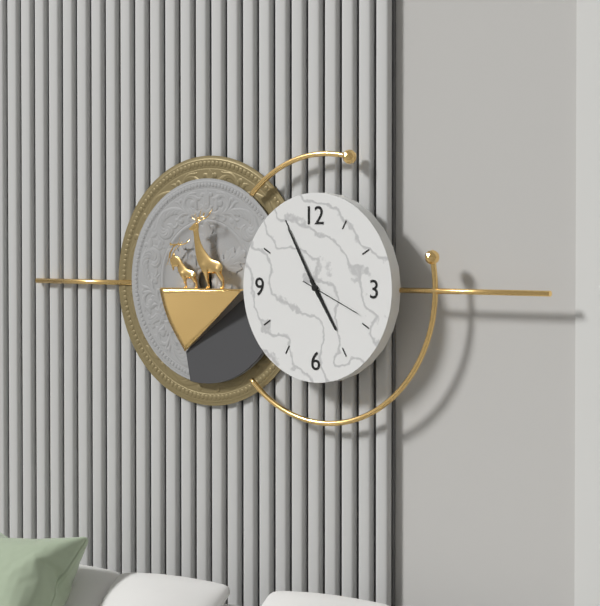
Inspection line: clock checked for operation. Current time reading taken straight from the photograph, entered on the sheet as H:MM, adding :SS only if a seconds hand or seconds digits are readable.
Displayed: 4:55:19
